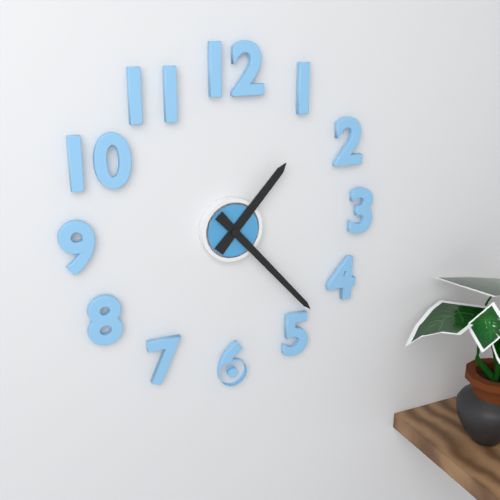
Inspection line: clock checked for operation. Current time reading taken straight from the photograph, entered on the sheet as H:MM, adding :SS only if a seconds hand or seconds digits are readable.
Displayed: 1:23
